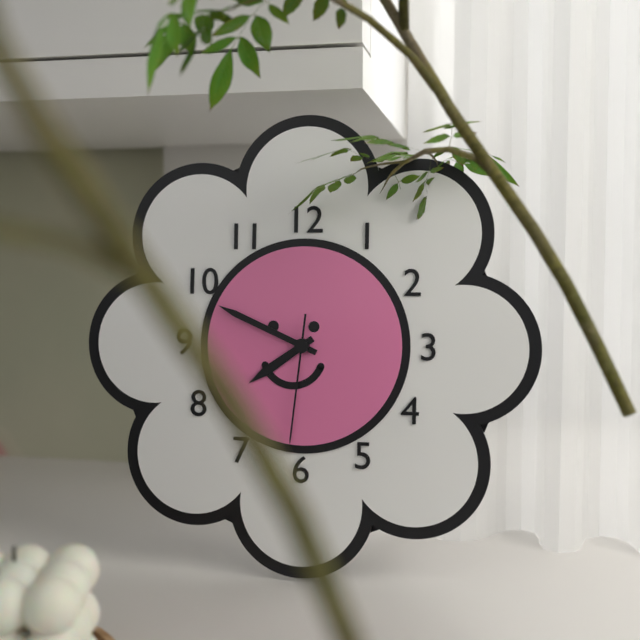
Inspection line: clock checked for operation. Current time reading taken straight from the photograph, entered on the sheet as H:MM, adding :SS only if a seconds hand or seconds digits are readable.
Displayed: 7:49:31
